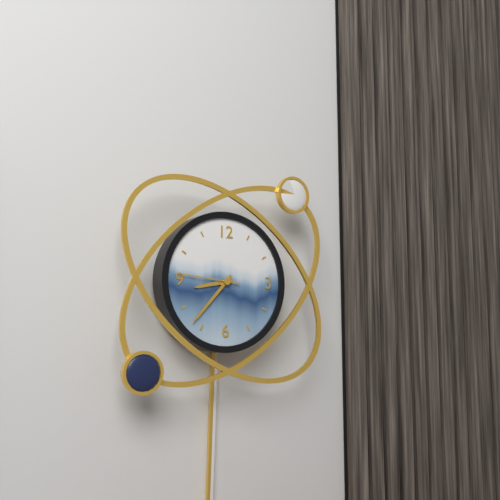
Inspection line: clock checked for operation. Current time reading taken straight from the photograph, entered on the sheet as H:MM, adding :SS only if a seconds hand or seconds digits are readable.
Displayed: 8:37:46
